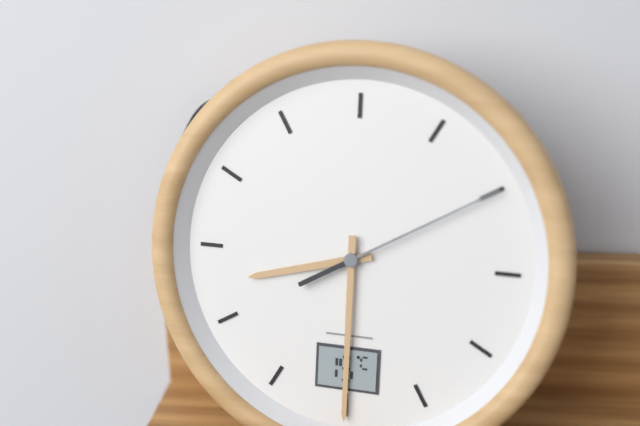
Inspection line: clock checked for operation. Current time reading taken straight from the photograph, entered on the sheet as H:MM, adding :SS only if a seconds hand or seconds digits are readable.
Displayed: 8:30:10
